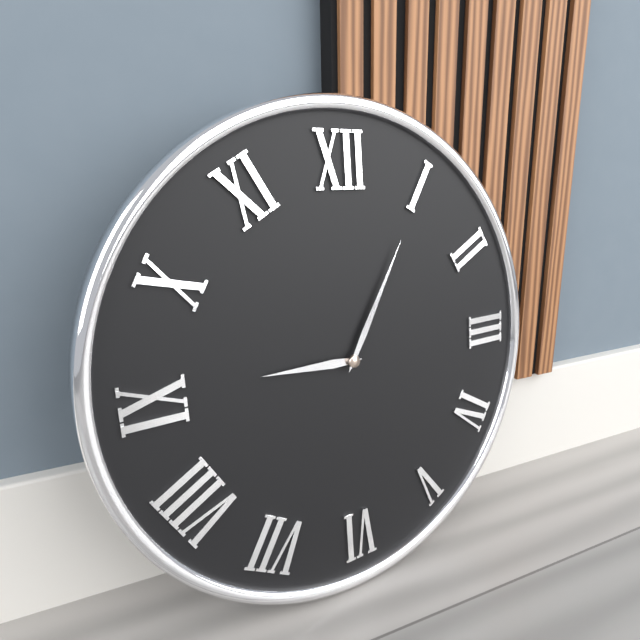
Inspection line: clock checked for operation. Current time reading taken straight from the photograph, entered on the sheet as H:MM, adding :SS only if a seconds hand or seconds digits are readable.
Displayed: 9:05
